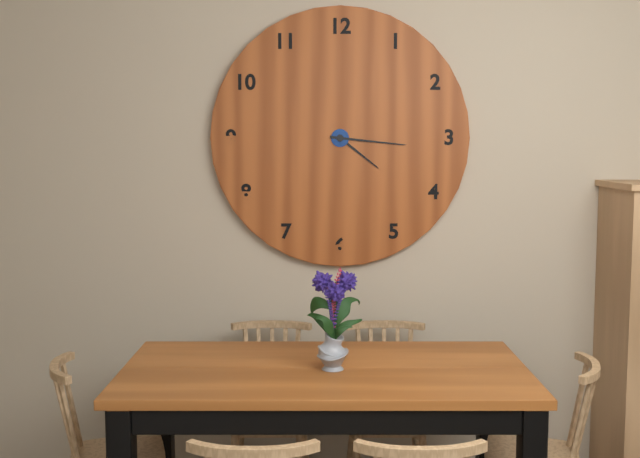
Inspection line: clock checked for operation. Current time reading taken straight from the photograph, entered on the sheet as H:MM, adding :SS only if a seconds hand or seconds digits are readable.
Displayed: 4:16
